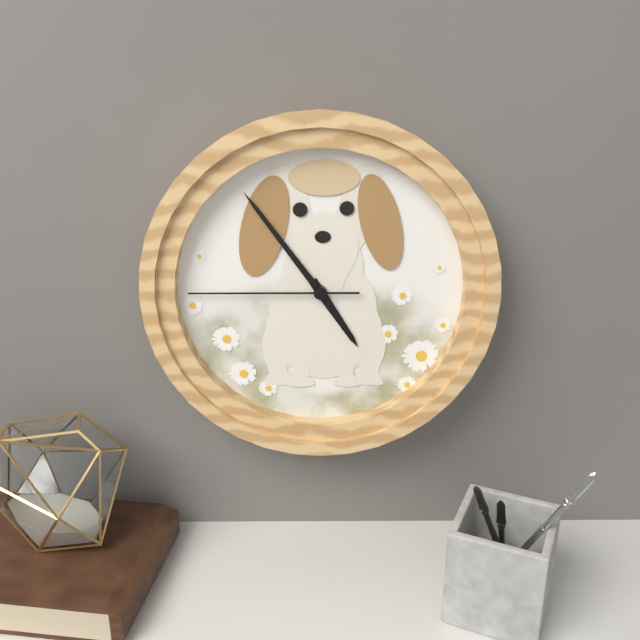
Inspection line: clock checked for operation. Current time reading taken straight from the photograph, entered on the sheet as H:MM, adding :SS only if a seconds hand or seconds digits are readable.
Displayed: 4:54:45
